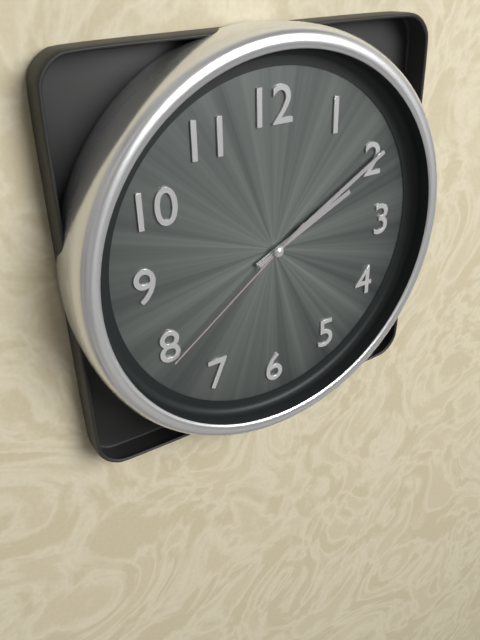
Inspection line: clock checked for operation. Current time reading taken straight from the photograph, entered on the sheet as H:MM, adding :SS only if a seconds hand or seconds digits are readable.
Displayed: 2:10:39
